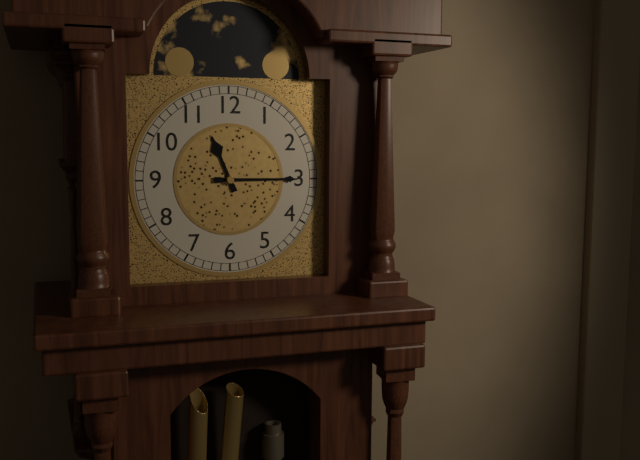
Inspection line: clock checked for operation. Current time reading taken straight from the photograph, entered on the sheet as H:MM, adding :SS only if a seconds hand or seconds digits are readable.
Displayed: 11:15
